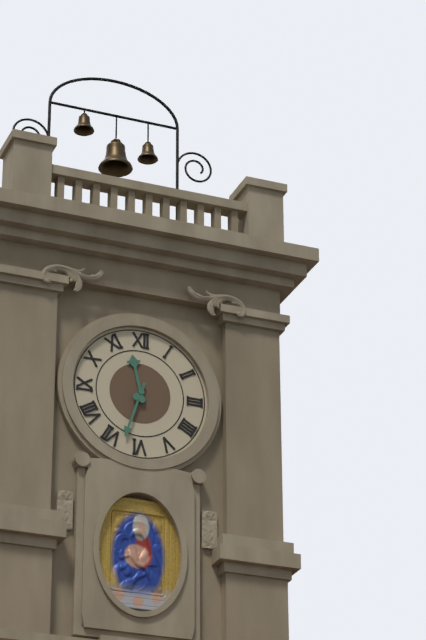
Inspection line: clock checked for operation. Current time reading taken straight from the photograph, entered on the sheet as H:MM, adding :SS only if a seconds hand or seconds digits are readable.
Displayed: 11:33
